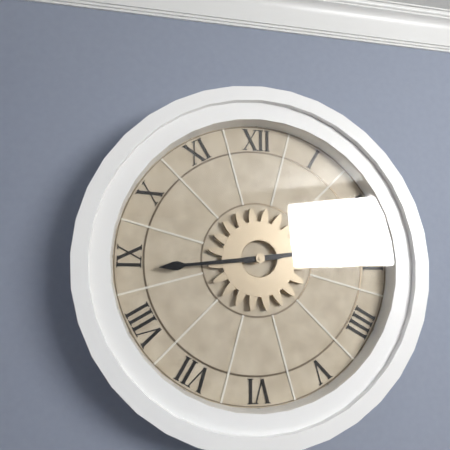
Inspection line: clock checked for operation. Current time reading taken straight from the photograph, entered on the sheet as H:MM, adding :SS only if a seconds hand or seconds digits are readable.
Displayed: 2:44
